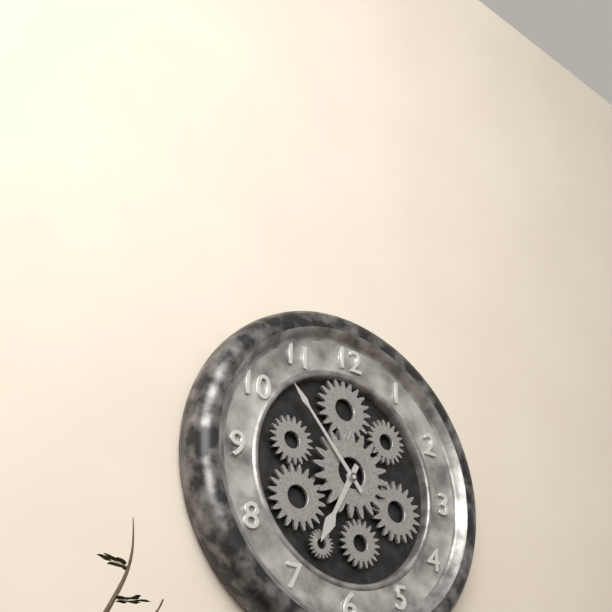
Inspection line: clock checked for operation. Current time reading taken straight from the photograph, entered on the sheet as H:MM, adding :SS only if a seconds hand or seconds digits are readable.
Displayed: 6:53
